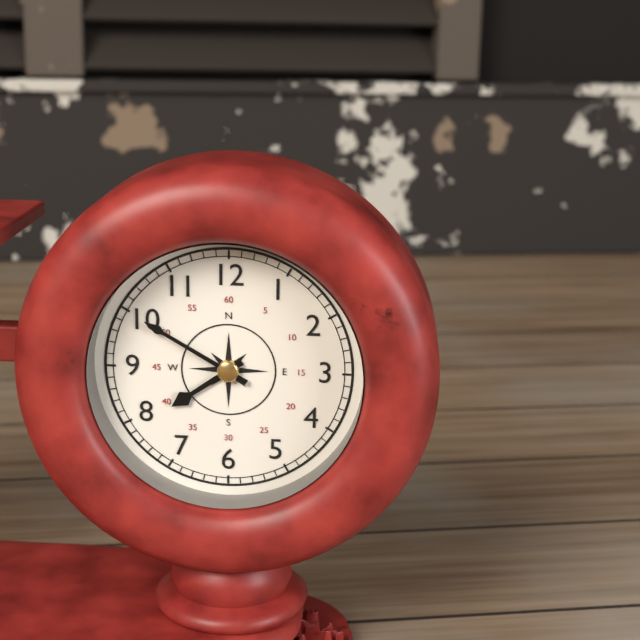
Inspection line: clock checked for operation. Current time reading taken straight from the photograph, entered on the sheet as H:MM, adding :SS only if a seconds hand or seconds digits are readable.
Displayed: 7:50
